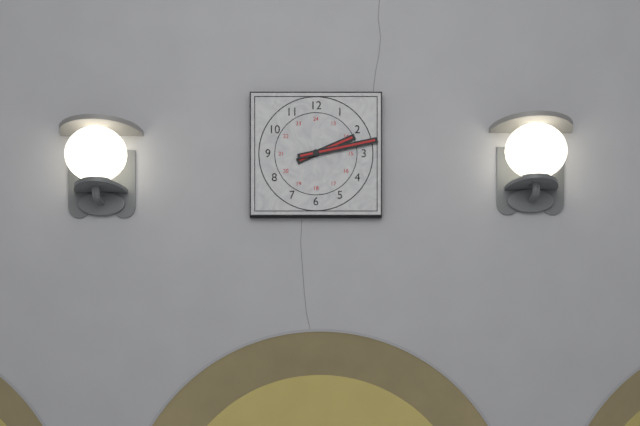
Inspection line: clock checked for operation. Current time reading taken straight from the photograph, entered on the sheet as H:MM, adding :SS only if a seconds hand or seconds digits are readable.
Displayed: 2:13
